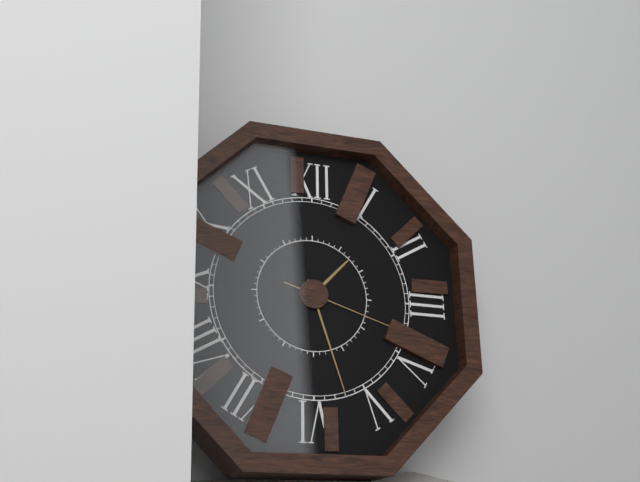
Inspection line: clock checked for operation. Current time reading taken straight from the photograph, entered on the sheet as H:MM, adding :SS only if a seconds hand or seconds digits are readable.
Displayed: 1:27
